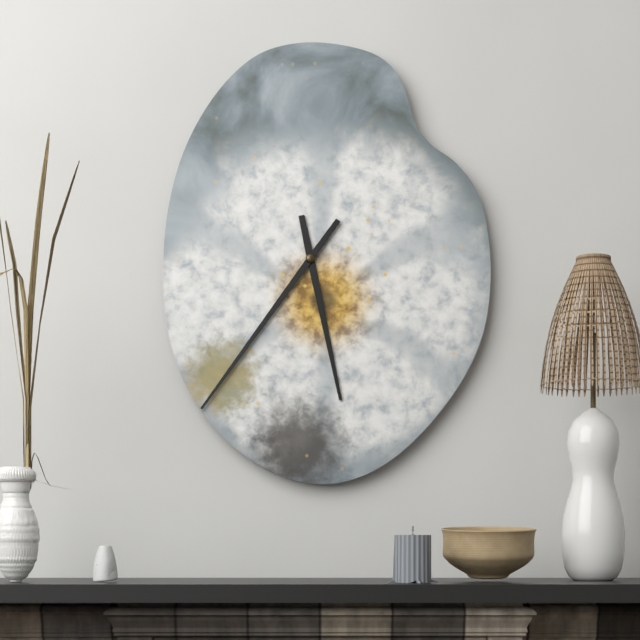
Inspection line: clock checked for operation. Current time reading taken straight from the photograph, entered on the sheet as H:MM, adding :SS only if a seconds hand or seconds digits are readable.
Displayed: 5:36
